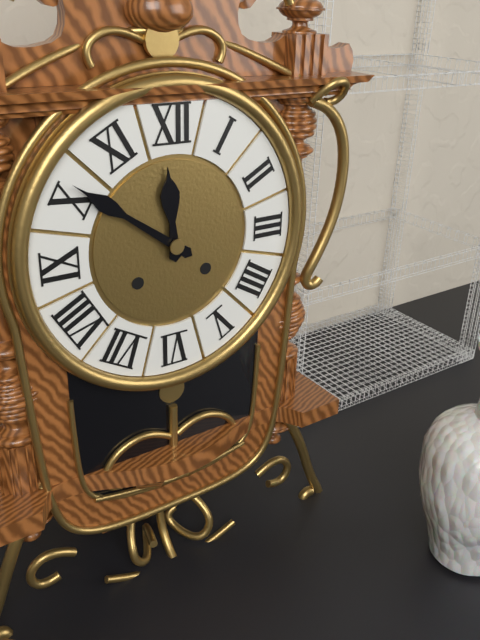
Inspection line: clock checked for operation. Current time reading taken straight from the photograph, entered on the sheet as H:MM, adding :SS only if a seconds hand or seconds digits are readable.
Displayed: 11:51
